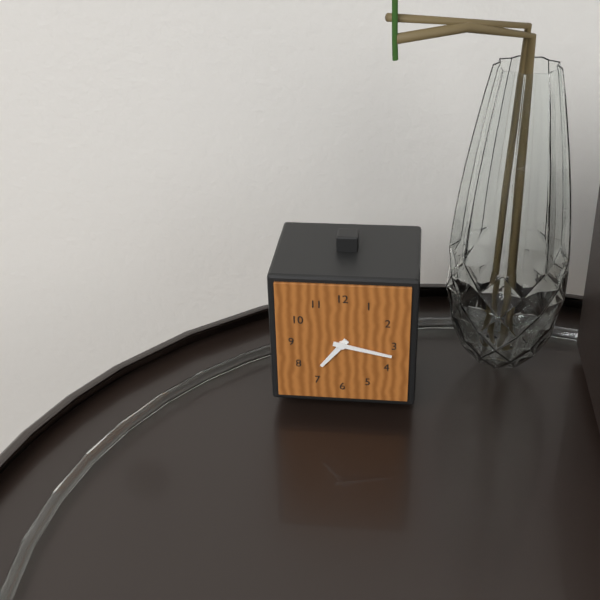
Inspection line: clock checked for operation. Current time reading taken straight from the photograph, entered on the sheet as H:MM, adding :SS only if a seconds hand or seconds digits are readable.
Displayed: 7:17
